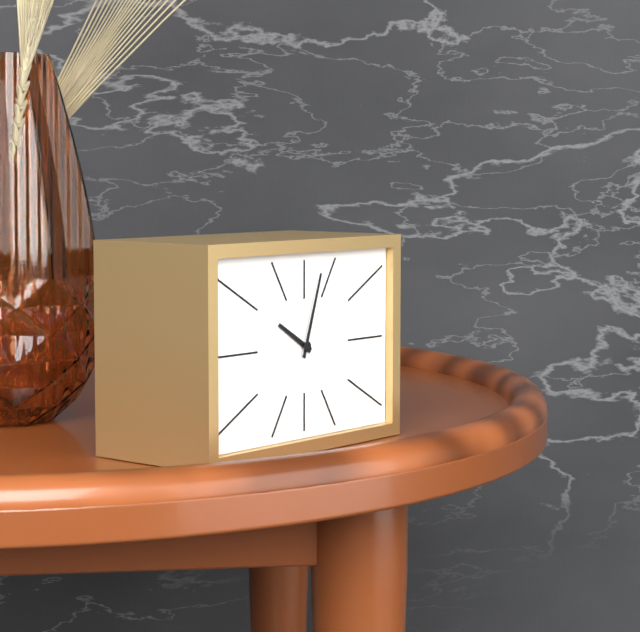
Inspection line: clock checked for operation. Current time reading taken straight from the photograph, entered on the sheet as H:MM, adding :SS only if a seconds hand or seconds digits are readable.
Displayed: 10:03
